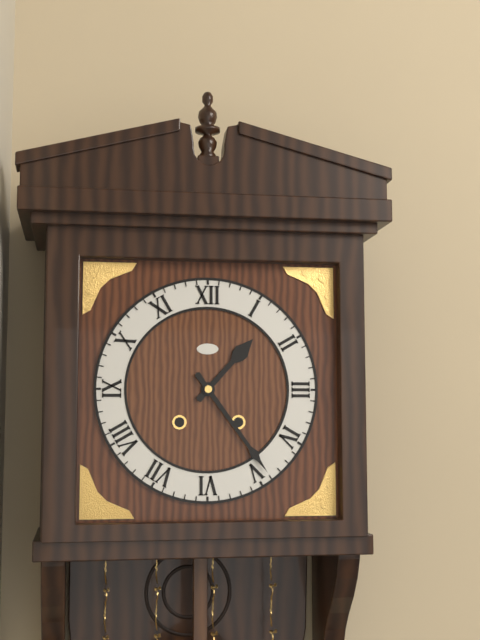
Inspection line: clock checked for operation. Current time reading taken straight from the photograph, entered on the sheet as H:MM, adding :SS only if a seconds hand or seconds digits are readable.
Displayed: 1:24
